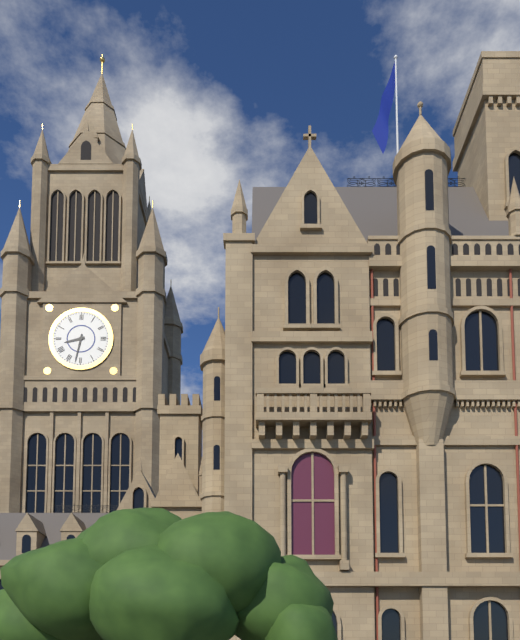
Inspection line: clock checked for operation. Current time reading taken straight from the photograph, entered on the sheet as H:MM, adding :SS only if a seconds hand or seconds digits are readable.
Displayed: 8:32
